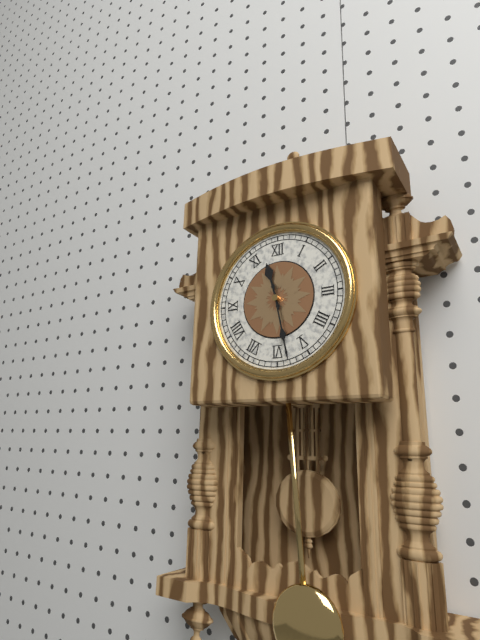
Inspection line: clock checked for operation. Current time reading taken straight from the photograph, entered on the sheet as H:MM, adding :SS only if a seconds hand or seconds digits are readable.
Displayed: 11:28
